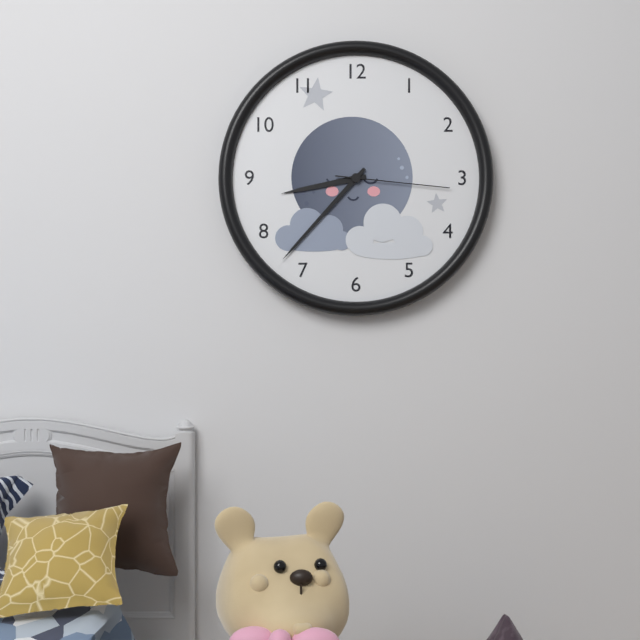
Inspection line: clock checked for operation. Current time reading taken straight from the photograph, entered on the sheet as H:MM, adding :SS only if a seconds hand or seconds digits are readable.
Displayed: 8:37:16
